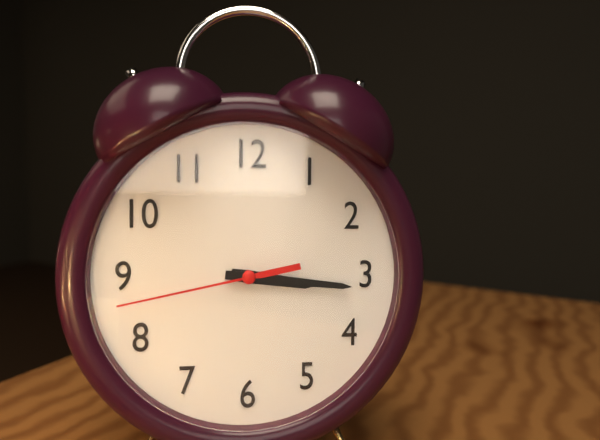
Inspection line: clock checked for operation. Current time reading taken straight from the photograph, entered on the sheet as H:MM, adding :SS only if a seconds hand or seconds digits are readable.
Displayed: 3:16:43
